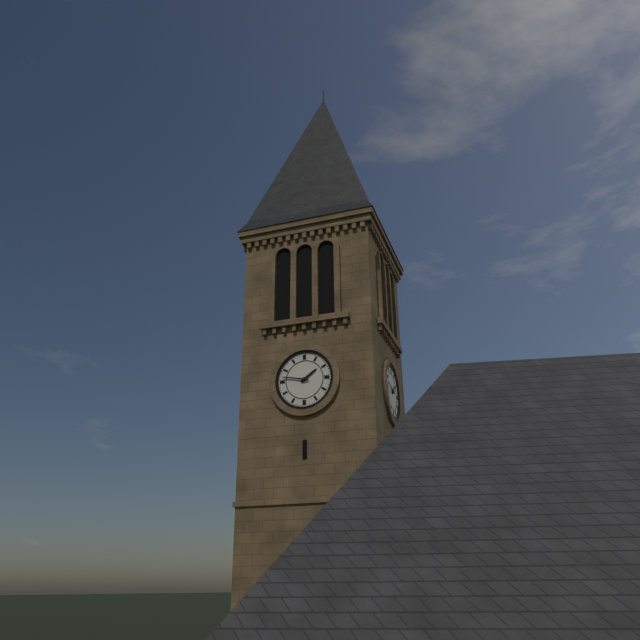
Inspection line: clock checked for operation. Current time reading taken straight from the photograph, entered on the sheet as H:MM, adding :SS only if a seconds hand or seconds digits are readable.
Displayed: 1:47
